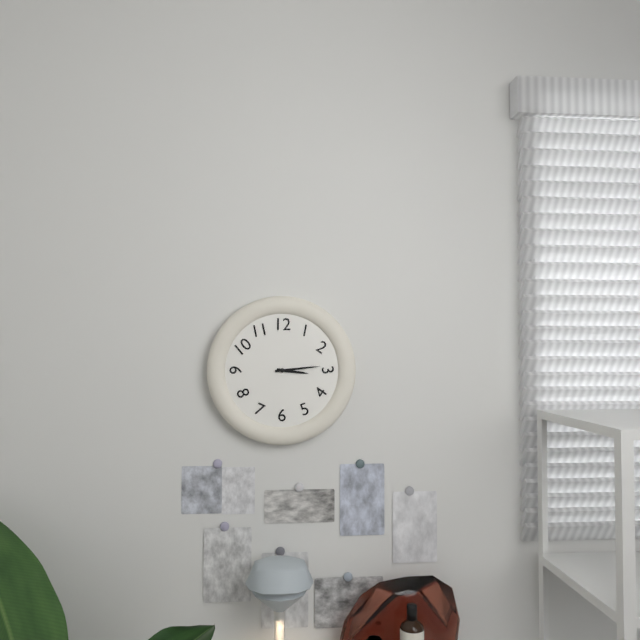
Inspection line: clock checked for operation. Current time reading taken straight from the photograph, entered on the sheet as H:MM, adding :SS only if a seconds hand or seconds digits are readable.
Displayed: 3:14
